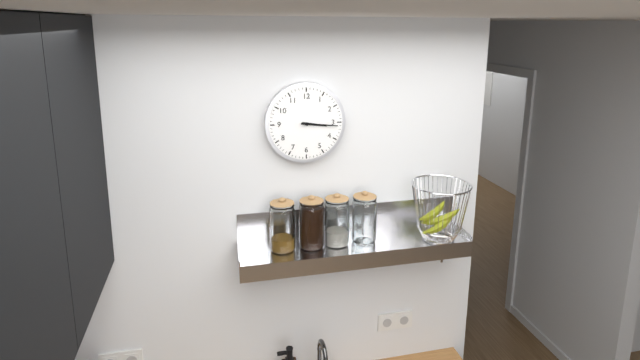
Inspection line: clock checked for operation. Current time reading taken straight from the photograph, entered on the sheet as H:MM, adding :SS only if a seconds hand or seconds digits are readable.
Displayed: 3:16
